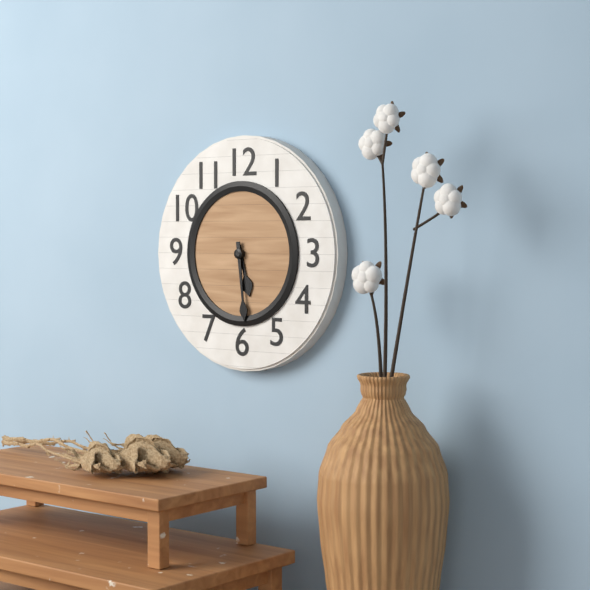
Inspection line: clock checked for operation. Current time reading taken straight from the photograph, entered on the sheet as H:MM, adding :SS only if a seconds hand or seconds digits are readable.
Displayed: 5:29
